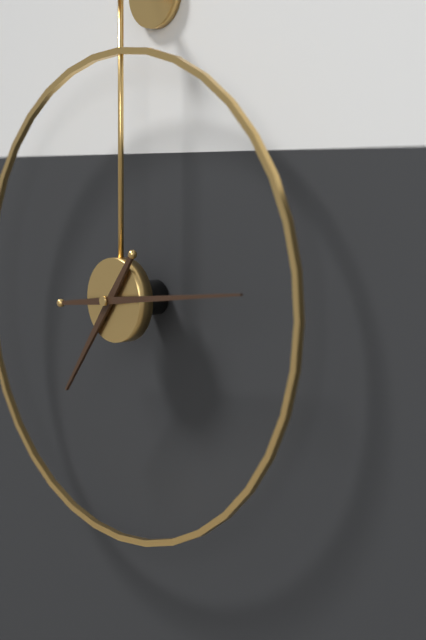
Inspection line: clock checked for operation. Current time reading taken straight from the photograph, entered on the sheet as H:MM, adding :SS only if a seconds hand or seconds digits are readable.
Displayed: 7:14
